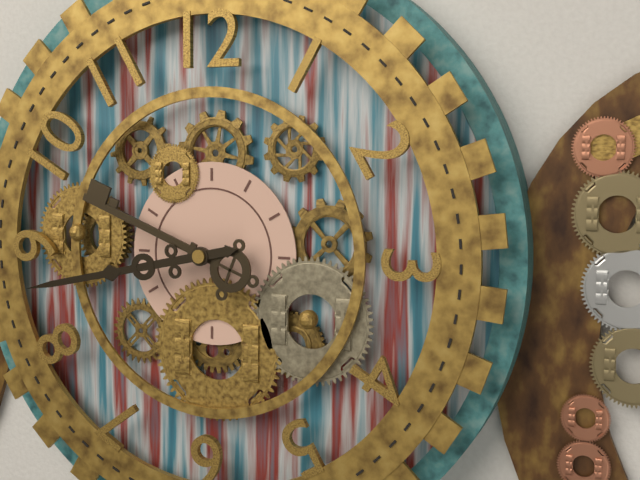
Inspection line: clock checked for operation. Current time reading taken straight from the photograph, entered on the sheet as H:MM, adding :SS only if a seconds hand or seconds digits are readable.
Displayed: 9:43
